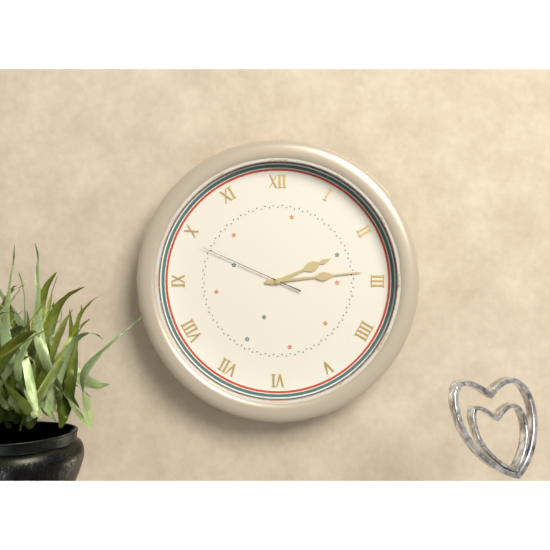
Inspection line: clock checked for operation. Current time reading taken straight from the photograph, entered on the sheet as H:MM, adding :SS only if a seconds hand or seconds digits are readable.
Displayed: 2:14:49
